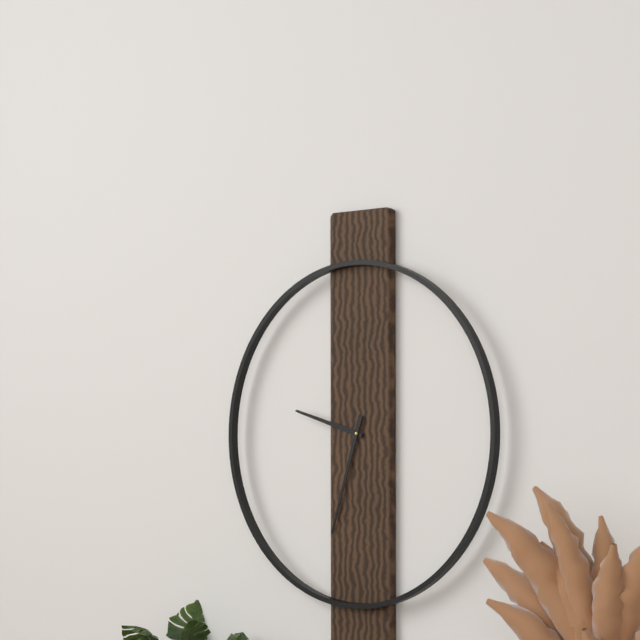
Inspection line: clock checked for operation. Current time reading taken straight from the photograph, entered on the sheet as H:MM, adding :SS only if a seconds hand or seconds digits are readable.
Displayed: 9:33
